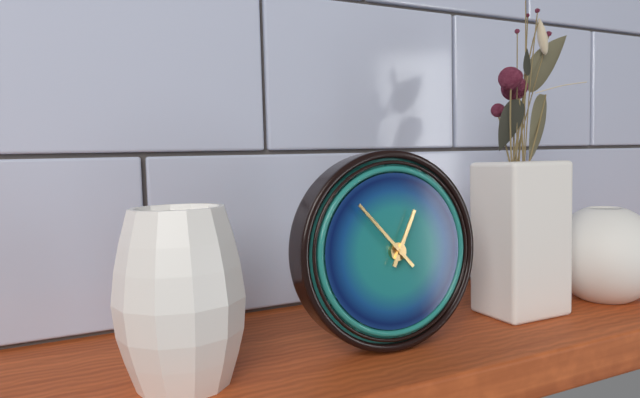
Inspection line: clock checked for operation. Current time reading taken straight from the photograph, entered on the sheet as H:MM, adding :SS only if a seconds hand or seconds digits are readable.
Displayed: 12:53
